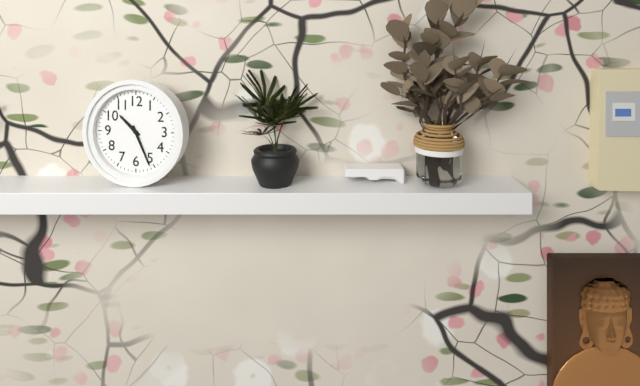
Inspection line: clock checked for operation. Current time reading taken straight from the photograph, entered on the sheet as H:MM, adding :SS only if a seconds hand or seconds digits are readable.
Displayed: 10:26
